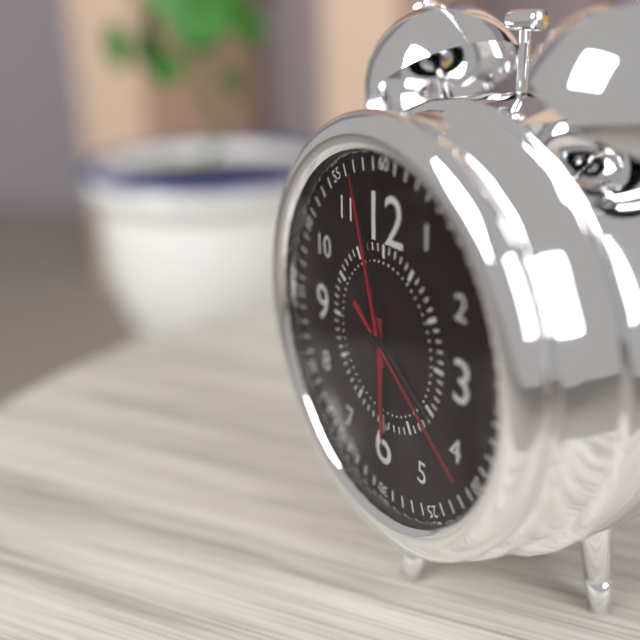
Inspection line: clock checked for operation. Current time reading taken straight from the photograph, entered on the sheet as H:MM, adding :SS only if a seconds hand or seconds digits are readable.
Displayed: 5:57:21
